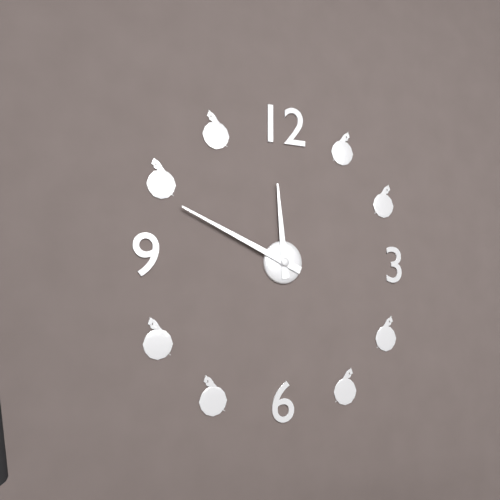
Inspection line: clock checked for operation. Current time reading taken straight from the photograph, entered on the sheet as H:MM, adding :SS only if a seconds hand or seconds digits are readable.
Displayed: 11:49
